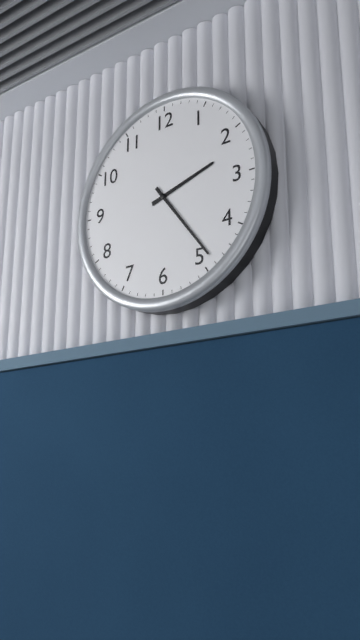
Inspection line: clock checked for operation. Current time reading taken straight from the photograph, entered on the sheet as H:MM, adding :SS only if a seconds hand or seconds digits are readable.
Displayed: 2:24
